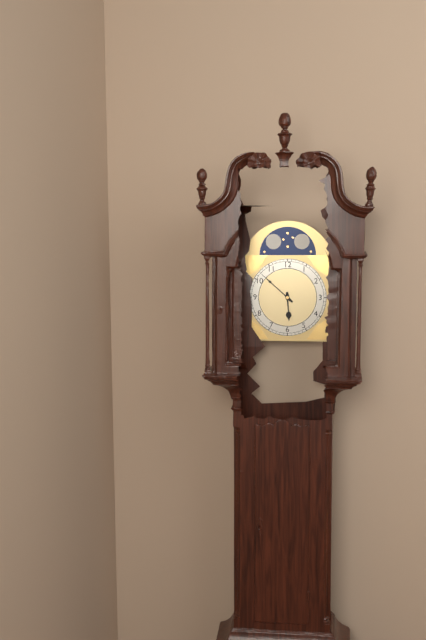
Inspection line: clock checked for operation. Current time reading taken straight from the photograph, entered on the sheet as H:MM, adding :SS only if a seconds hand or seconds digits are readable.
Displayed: 5:52
